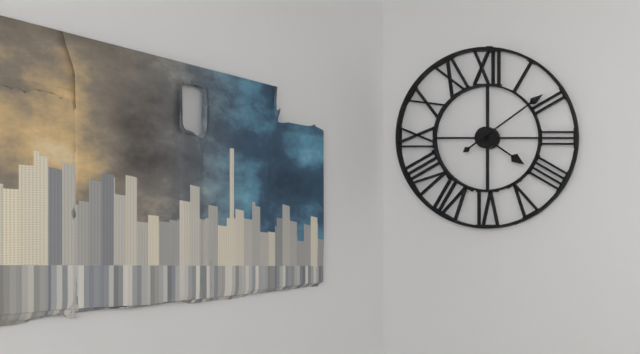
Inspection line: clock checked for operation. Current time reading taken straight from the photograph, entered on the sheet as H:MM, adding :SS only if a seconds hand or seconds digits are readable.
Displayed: 4:09
